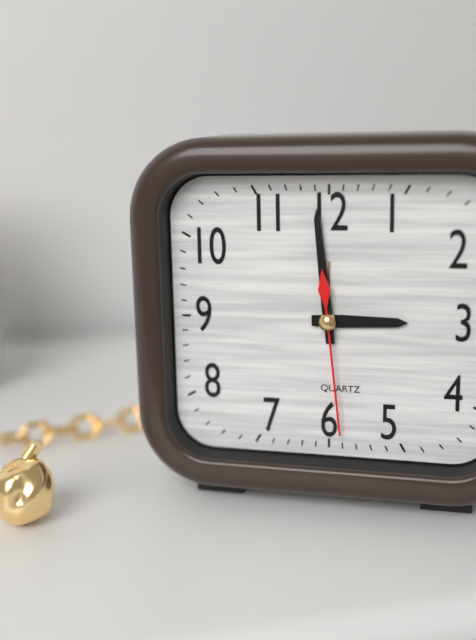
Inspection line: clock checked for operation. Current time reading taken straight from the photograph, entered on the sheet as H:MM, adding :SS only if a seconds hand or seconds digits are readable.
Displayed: 2:59:29
